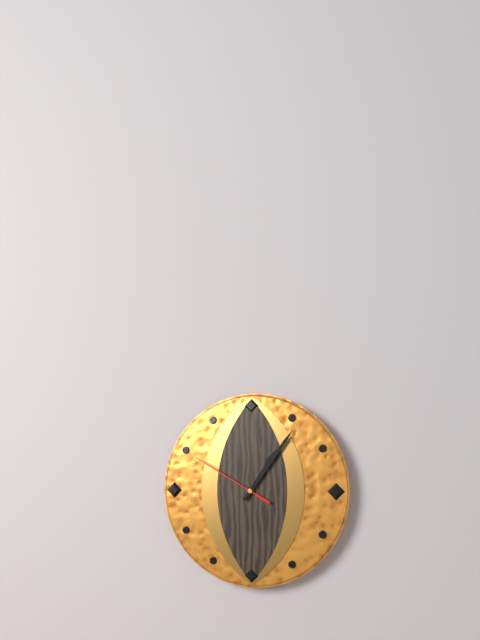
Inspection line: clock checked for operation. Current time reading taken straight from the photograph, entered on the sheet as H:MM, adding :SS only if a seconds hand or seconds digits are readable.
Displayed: 1:06:50
